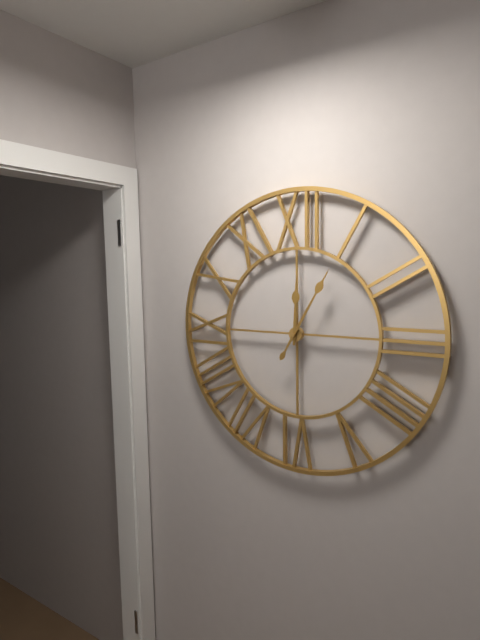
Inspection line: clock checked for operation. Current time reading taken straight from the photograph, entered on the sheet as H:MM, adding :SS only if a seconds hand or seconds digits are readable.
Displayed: 12:05
